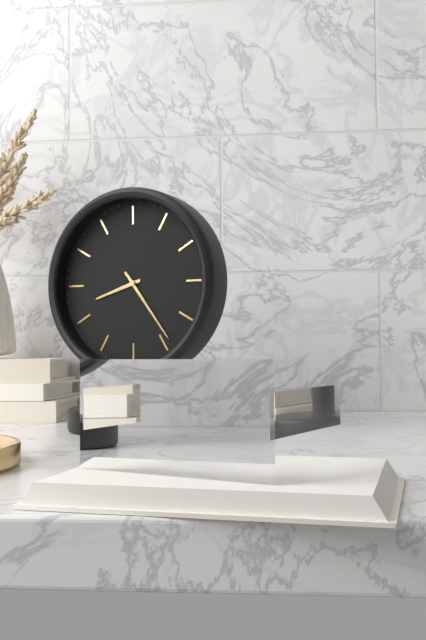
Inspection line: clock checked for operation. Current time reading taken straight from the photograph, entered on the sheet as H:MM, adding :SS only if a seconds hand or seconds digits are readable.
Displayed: 8:24
